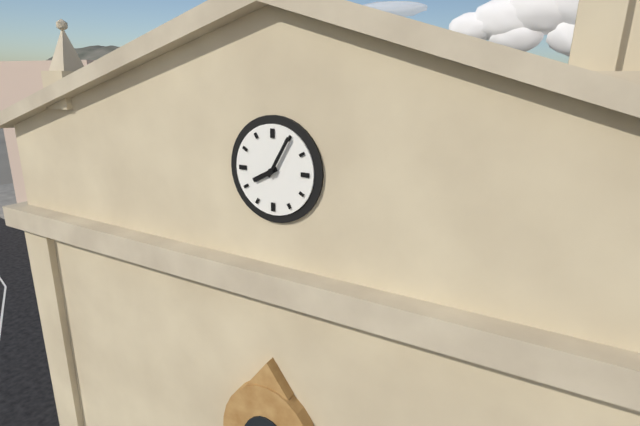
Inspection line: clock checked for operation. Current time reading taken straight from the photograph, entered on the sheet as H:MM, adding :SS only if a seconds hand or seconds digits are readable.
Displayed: 8:05
